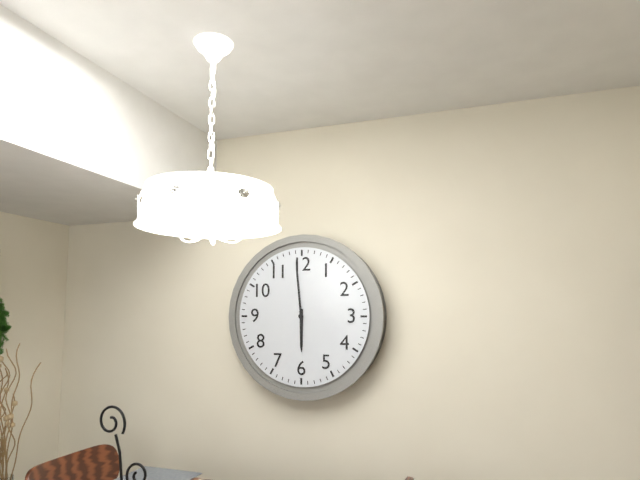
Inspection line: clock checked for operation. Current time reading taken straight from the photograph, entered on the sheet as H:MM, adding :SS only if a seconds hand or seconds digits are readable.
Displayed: 5:59
